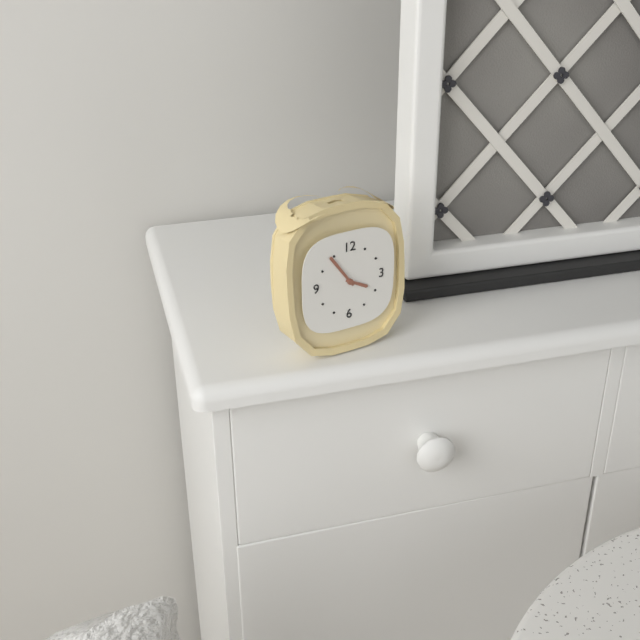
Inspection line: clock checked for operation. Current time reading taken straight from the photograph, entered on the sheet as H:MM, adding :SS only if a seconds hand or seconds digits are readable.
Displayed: 3:54
